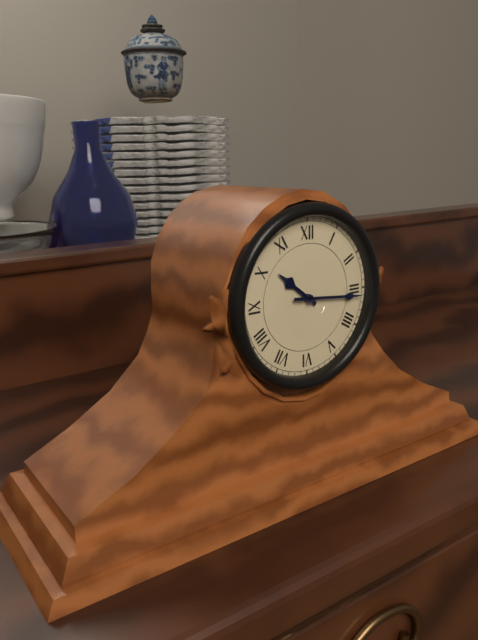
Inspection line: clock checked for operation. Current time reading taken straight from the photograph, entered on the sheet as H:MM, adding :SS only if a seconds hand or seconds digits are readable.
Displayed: 10:16
